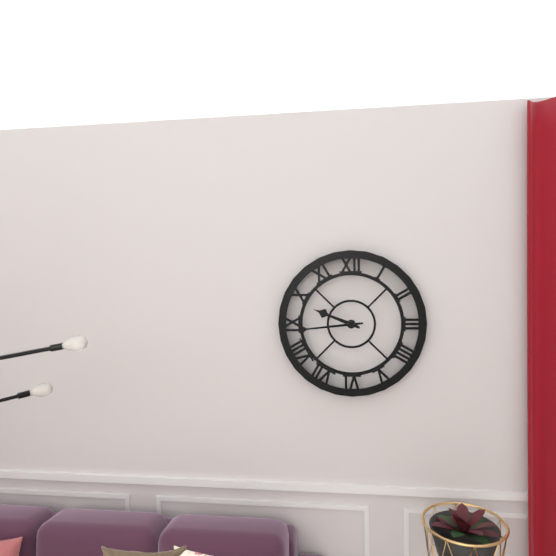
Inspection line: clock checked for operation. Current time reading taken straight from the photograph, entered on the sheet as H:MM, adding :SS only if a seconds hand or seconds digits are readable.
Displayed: 9:44
